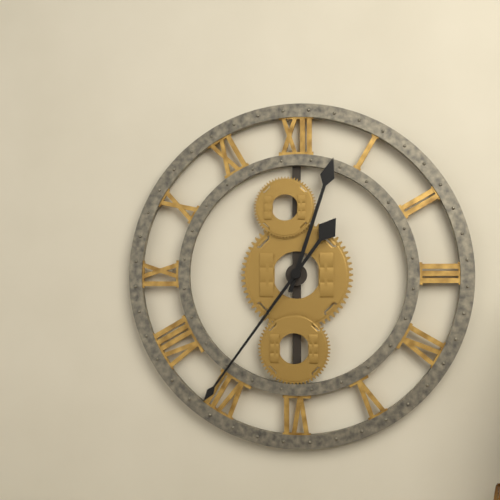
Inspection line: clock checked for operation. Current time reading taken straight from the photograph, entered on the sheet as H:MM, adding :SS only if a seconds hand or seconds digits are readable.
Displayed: 12:36
